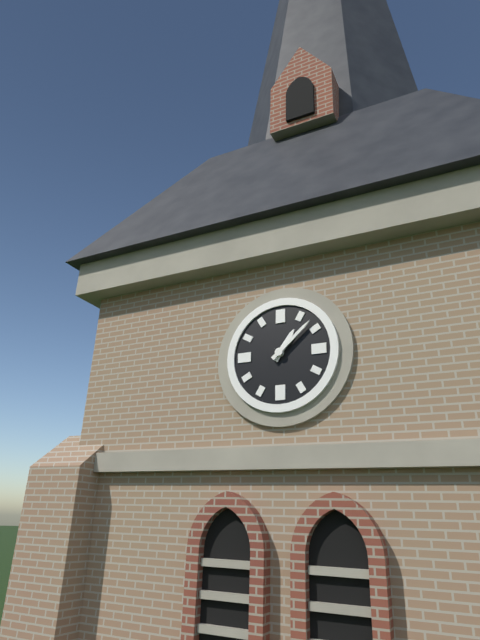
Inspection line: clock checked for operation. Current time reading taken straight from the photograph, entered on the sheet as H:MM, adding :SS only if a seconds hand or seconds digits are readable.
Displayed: 1:08
